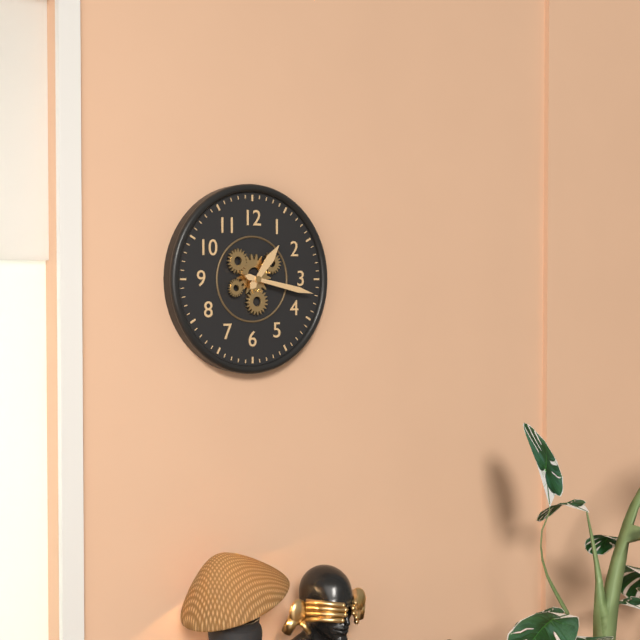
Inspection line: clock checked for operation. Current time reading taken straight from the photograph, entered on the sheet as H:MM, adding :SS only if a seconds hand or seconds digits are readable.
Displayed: 1:17
